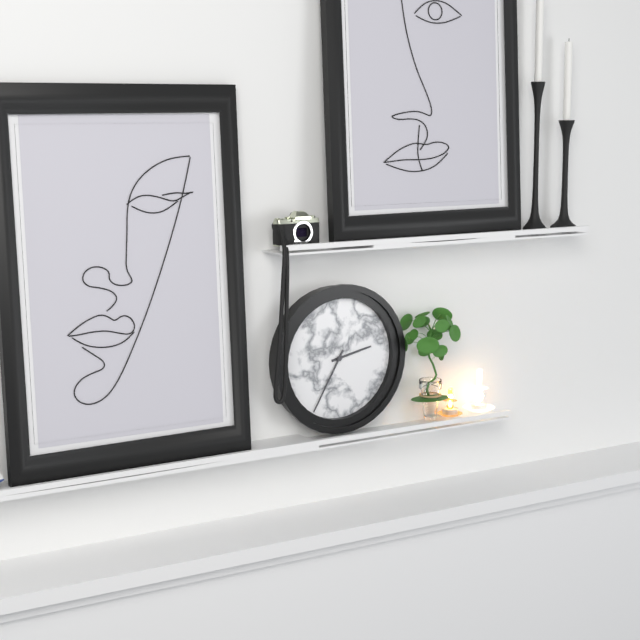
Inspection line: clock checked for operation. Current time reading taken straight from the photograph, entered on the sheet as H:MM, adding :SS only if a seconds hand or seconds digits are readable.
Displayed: 2:35
